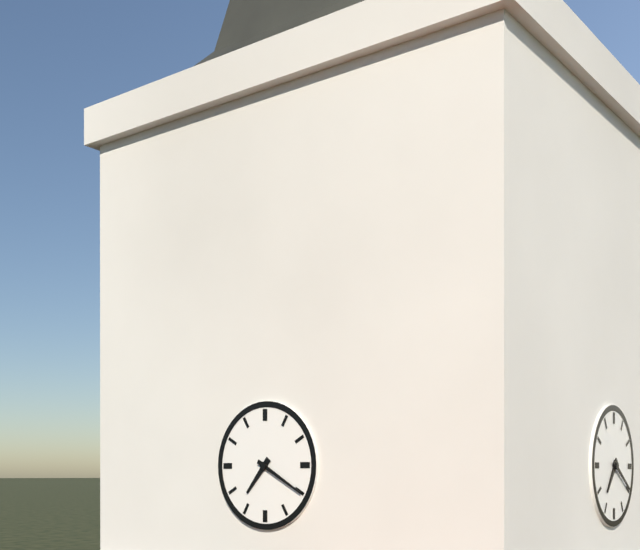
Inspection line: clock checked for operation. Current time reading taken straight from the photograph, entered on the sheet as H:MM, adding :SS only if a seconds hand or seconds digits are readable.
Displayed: 7:20
